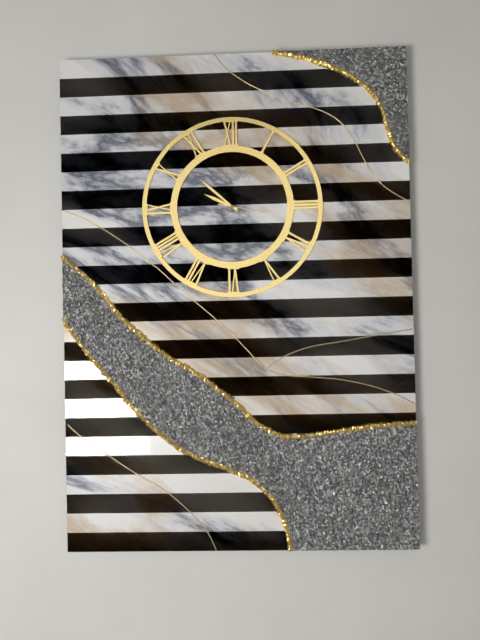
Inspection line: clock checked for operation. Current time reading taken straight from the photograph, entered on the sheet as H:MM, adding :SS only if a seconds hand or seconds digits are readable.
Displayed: 9:52
